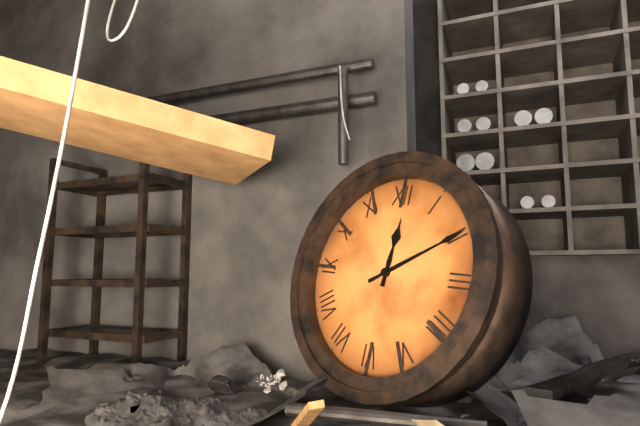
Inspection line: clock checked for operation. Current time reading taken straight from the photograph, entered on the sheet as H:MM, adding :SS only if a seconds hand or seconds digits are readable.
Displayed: 12:10
